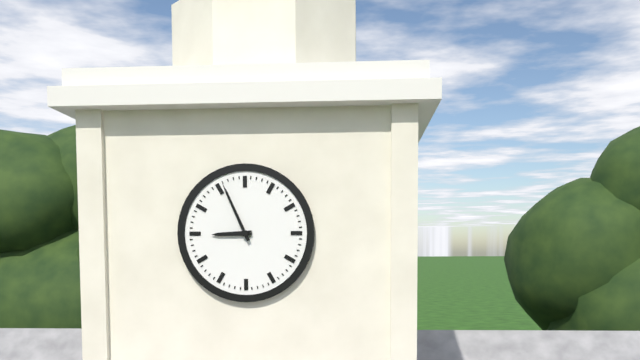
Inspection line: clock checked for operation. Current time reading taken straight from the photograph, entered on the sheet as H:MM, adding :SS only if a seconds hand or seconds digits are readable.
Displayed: 8:56
